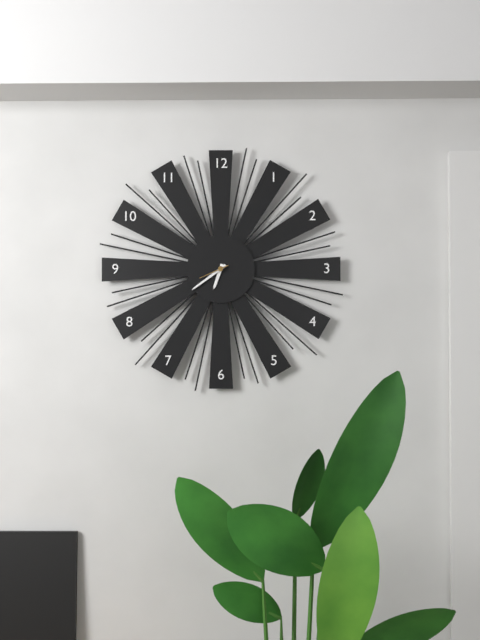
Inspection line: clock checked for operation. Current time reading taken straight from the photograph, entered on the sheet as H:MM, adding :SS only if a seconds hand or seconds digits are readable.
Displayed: 6:39
